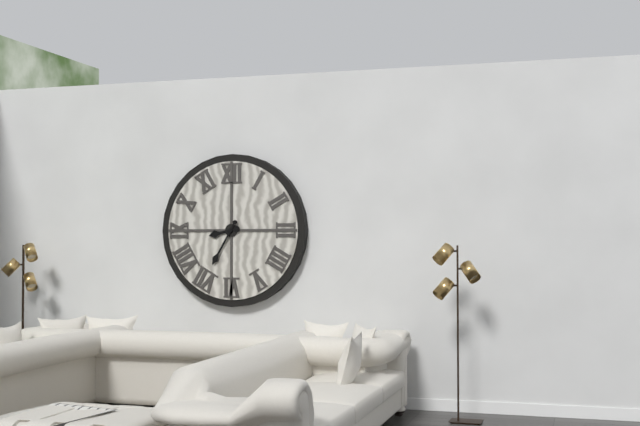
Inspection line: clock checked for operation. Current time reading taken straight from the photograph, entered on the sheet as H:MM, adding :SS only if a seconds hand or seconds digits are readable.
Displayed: 8:35
